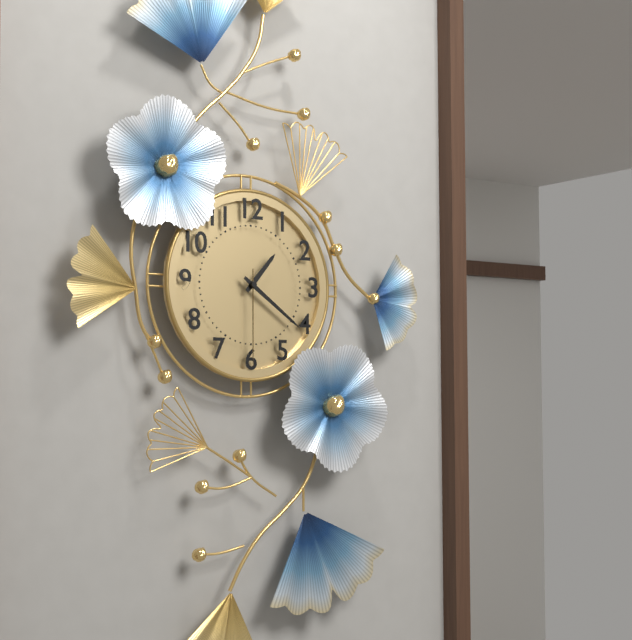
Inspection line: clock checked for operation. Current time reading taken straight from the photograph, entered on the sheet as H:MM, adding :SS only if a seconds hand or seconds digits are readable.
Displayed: 1:21:30
